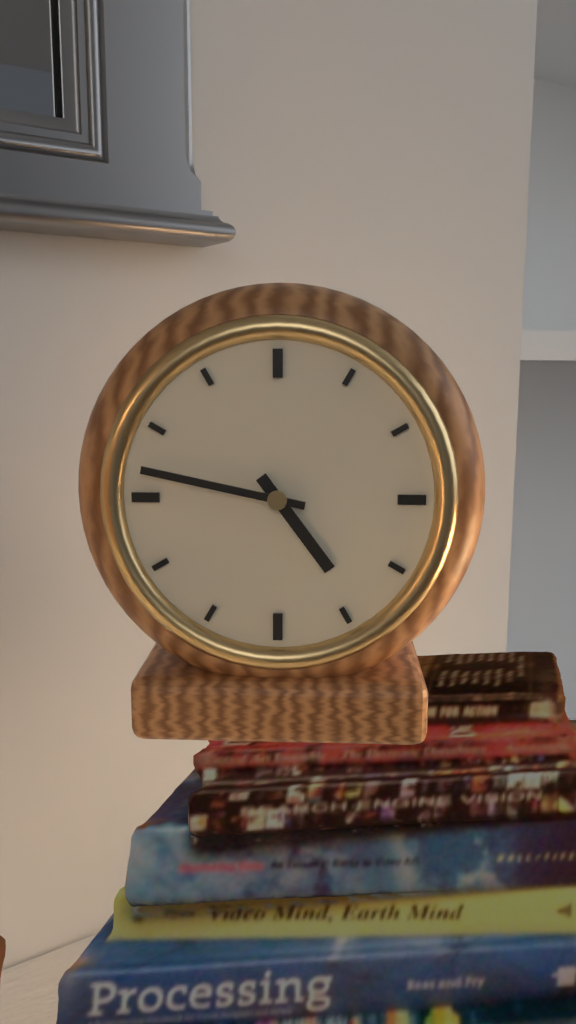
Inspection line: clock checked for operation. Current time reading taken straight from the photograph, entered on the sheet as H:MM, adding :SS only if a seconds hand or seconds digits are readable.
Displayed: 4:47
